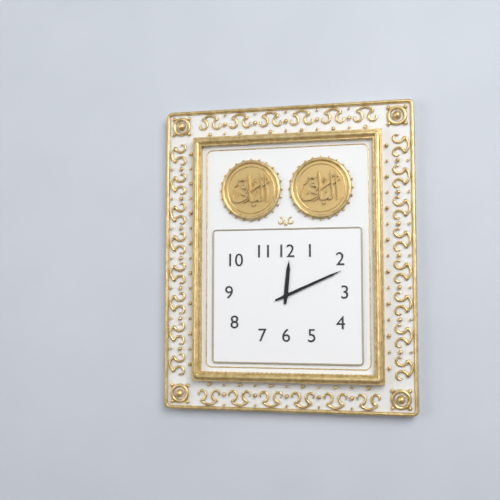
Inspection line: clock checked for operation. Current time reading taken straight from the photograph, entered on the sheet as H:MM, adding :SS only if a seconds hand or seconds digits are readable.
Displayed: 12:11
